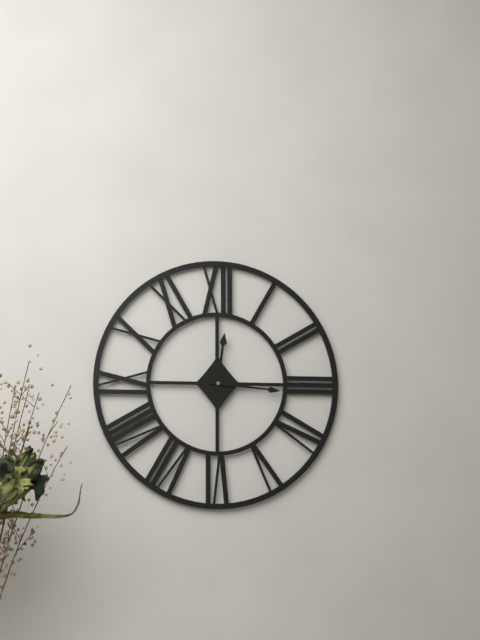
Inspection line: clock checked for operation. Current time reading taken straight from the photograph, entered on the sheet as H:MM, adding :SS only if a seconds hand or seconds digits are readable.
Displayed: 12:16
